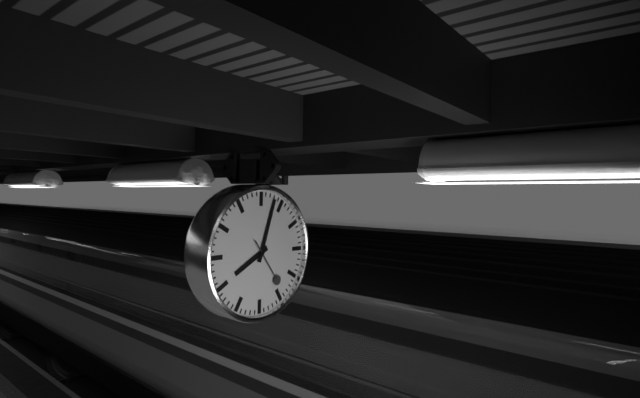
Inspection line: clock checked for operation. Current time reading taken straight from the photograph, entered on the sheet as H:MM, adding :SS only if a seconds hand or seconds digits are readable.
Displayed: 8:03
